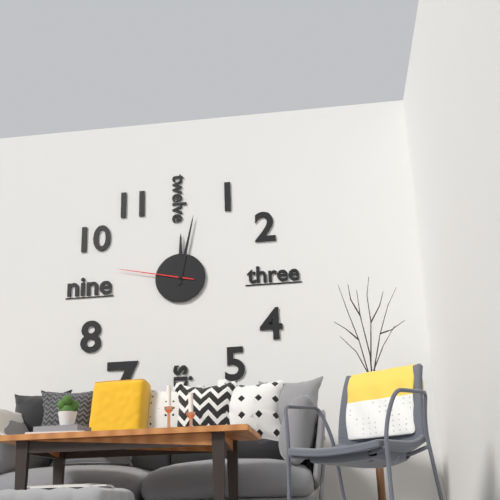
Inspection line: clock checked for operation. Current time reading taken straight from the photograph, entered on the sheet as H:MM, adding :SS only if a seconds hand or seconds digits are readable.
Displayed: 12:02:47
